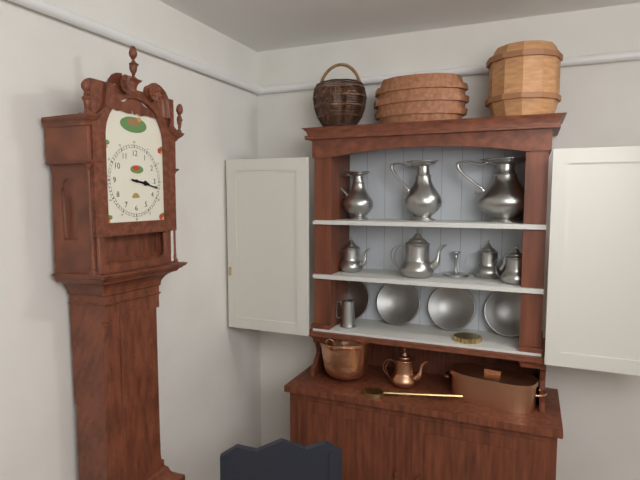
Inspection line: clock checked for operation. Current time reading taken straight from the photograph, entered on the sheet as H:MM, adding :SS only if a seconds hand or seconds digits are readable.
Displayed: 3:17
